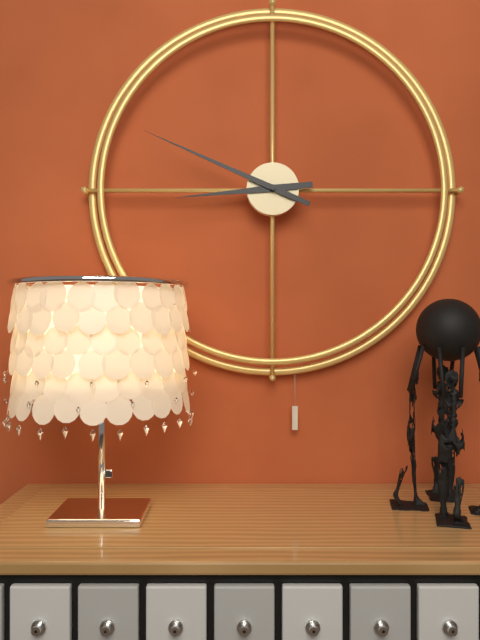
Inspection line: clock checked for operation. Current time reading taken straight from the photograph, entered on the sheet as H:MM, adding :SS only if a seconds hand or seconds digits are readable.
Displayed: 8:49
